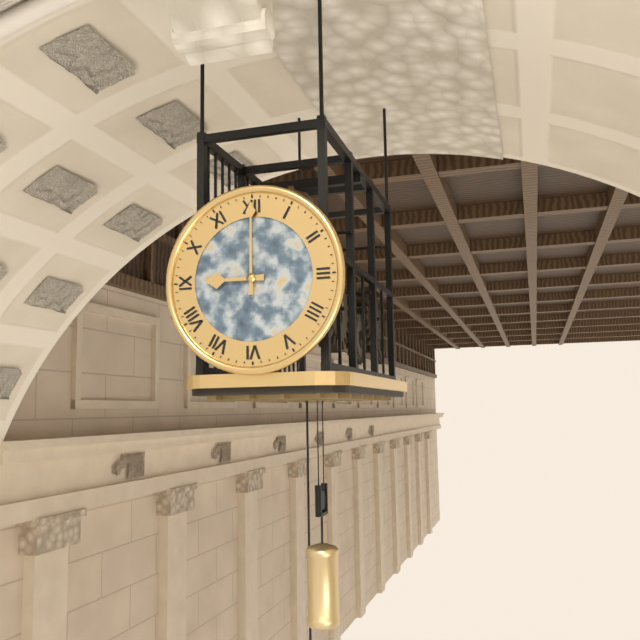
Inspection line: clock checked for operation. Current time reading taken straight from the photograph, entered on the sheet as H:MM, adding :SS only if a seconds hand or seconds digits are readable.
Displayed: 9:00
